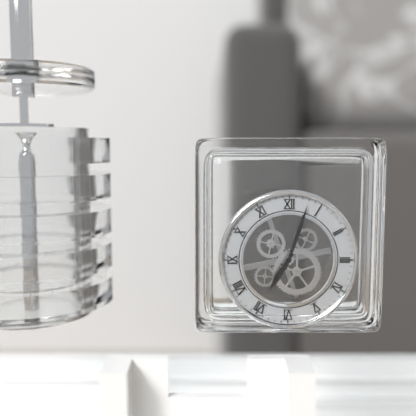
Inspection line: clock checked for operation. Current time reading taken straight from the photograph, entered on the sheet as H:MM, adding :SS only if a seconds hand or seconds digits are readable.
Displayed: 7:03
